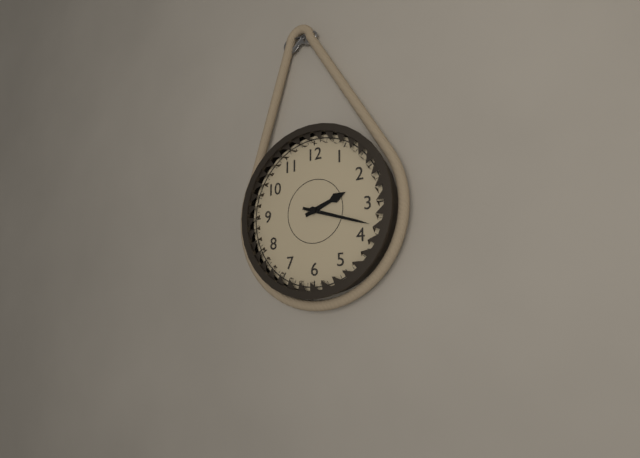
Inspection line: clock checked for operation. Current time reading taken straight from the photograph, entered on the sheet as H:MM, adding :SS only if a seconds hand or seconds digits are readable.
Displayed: 2:18
